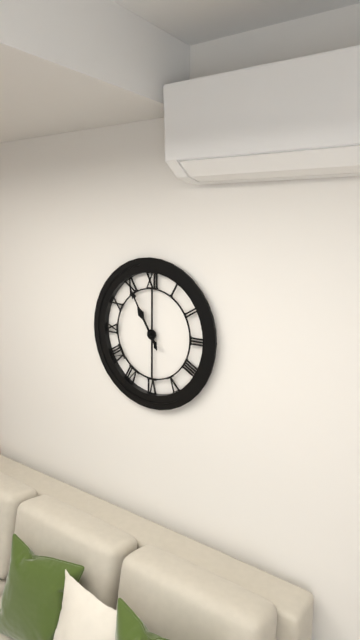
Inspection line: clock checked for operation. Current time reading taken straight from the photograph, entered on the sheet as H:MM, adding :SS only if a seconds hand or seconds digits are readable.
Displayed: 10:55
